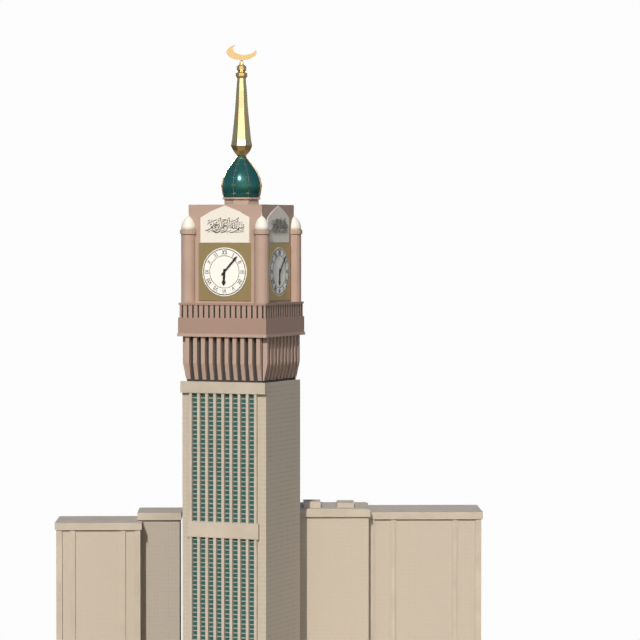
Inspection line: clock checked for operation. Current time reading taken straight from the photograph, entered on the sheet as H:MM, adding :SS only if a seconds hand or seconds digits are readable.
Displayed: 6:07
